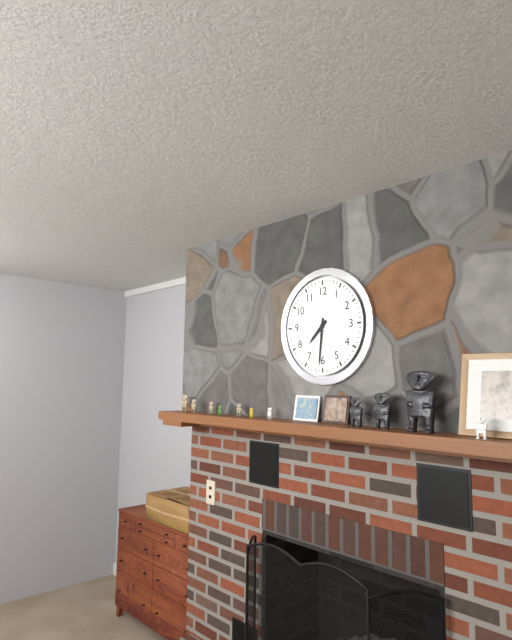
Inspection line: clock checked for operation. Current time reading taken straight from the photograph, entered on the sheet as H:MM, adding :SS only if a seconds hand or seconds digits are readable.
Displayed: 7:31
